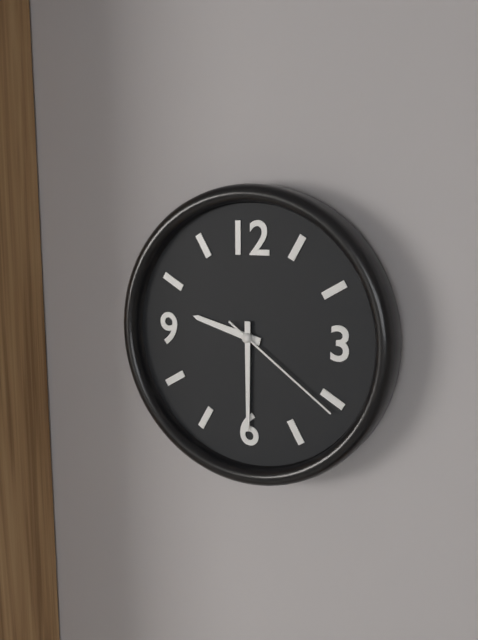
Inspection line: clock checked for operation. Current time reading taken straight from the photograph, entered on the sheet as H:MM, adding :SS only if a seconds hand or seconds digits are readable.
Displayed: 9:30:21
